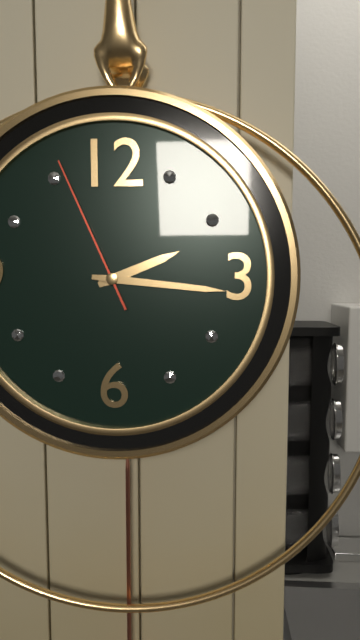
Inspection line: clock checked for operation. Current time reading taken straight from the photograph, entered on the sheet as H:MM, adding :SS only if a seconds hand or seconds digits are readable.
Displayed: 2:16:56
